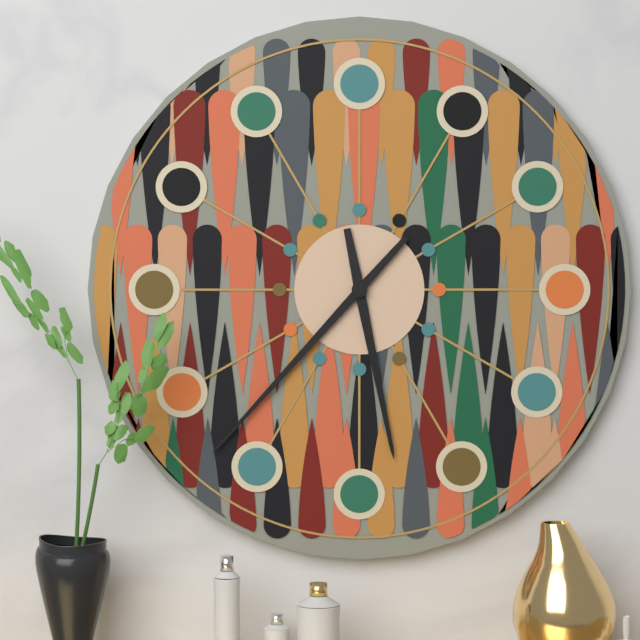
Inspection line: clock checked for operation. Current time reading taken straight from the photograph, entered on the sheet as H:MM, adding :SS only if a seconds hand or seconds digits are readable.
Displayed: 5:37
